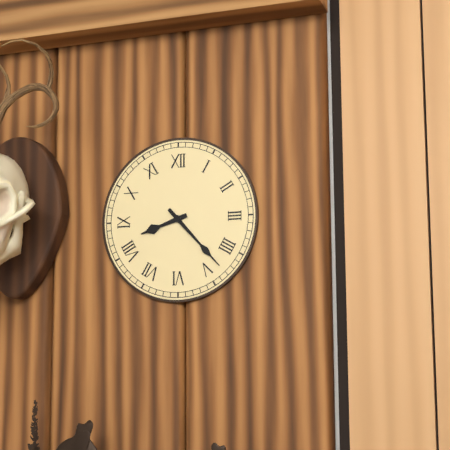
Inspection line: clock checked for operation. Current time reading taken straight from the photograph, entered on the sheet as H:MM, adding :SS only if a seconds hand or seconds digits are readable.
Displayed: 8:23
